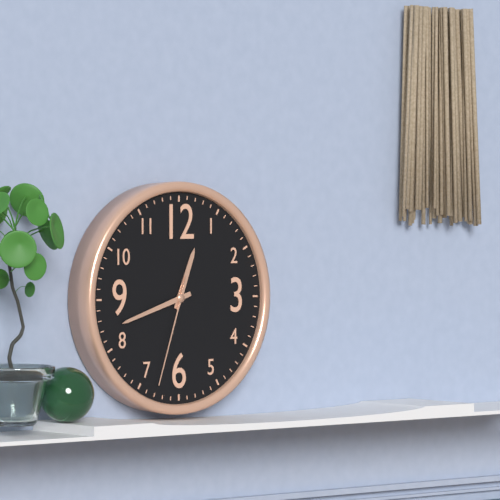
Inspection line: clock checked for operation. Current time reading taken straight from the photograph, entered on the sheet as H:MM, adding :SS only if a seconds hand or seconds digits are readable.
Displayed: 12:42:33
